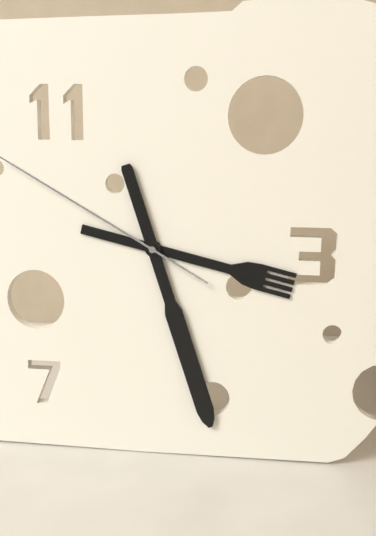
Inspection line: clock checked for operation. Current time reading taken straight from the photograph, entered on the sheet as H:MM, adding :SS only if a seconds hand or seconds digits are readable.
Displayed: 3:27
